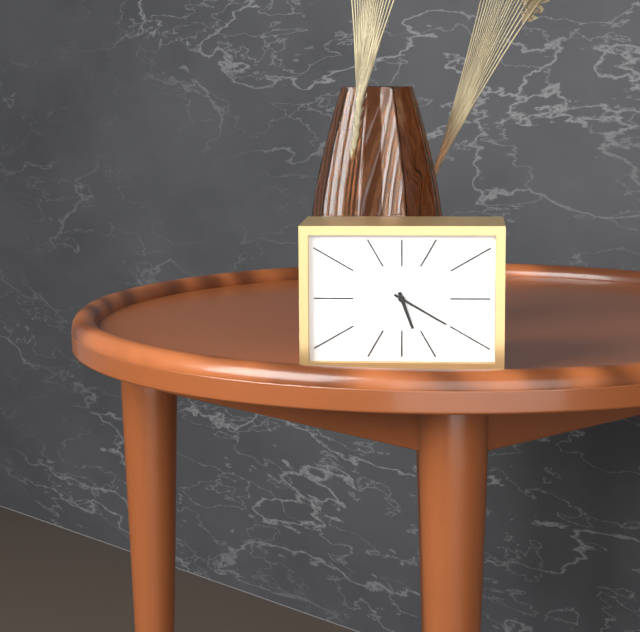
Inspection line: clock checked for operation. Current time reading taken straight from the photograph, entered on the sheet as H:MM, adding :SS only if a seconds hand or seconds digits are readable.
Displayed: 5:20
